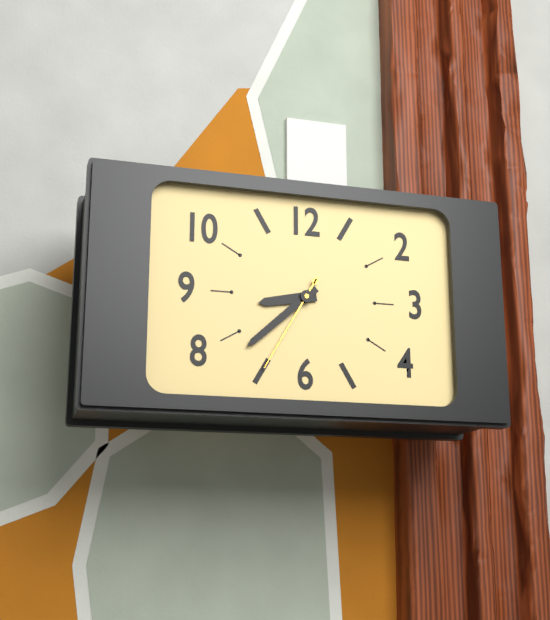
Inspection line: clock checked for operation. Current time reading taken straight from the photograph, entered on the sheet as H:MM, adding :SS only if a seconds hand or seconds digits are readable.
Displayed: 8:38:35
